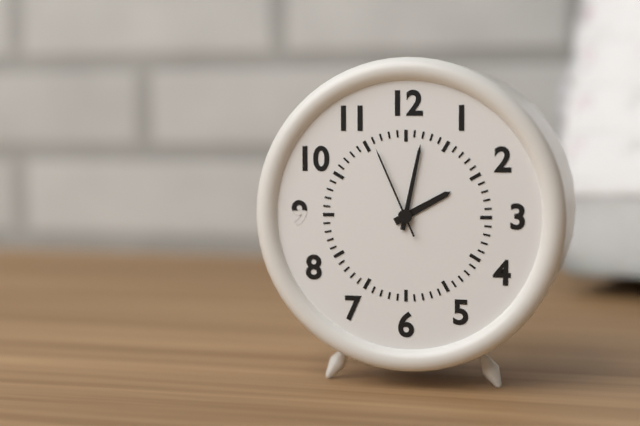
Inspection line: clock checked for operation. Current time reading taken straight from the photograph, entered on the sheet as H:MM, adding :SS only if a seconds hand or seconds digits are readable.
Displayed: 2:02:56
